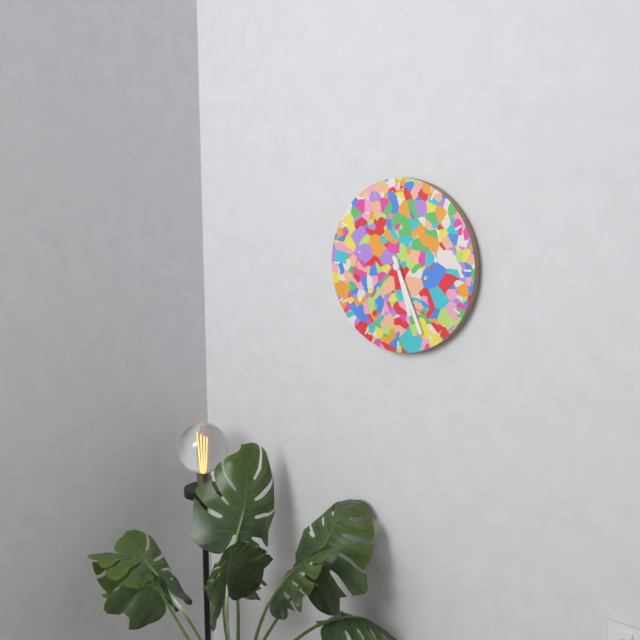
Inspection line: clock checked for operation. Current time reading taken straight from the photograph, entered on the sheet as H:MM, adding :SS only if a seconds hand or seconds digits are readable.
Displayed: 5:26
